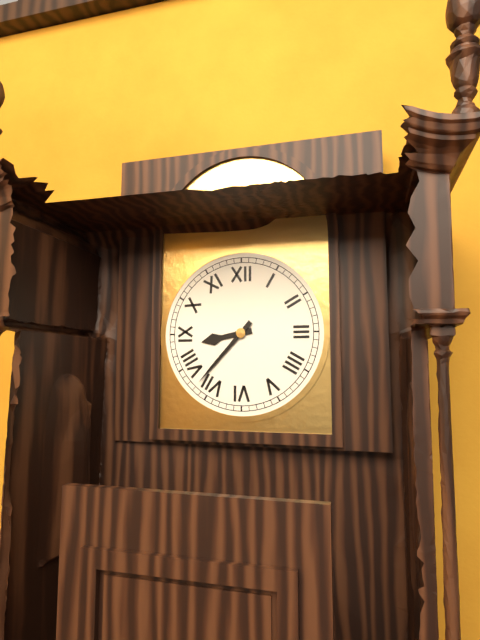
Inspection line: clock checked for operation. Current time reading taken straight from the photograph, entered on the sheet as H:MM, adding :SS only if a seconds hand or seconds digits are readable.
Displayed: 8:37
